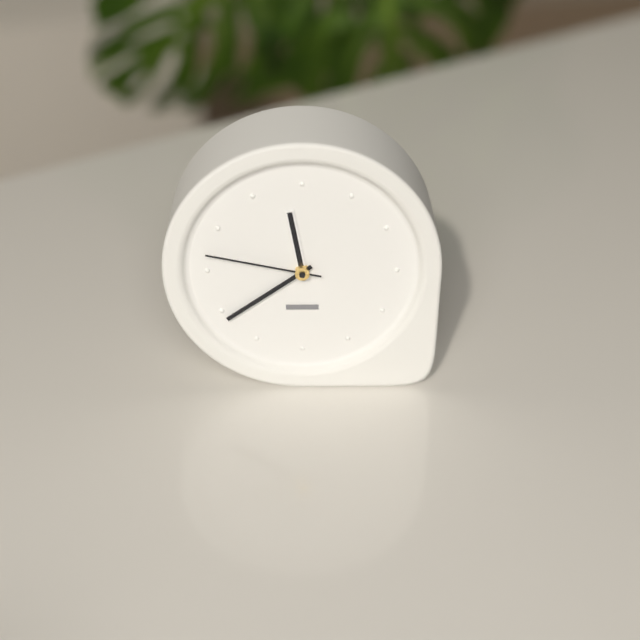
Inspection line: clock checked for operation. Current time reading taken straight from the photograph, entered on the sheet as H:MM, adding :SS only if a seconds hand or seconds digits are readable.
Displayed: 11:39:47
